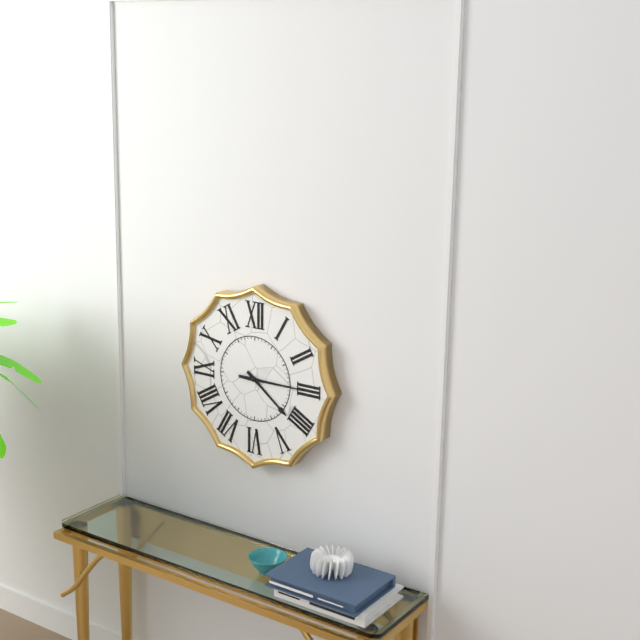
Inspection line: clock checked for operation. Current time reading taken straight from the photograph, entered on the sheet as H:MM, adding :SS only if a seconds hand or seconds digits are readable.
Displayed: 4:15
